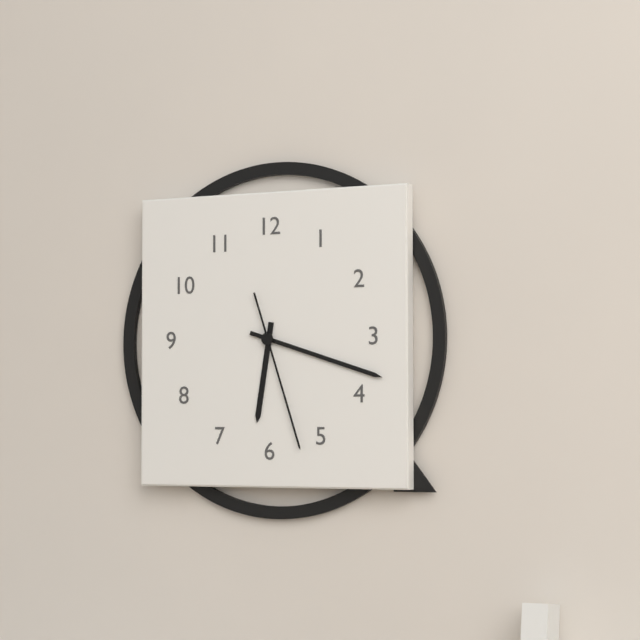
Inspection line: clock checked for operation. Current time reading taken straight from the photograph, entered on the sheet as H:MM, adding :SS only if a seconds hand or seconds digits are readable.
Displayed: 6:18:27
